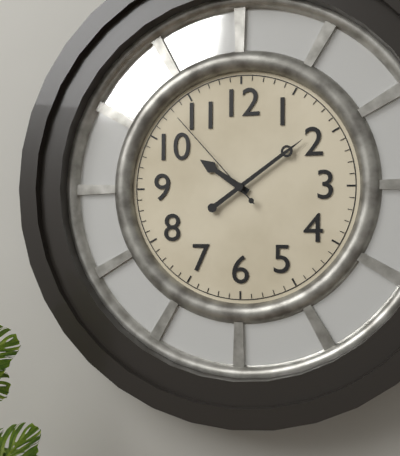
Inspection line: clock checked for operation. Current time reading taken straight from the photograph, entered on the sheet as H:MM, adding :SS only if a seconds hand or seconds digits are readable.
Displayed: 10:09:53
